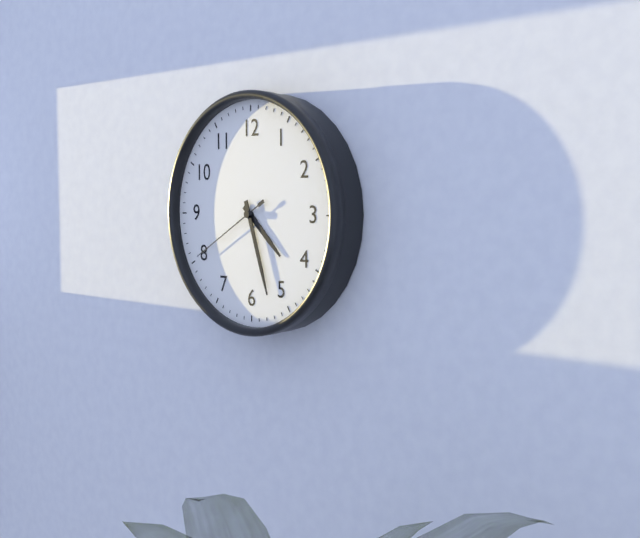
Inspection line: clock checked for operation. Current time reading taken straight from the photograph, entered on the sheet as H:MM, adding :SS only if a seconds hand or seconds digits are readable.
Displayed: 4:27:40
